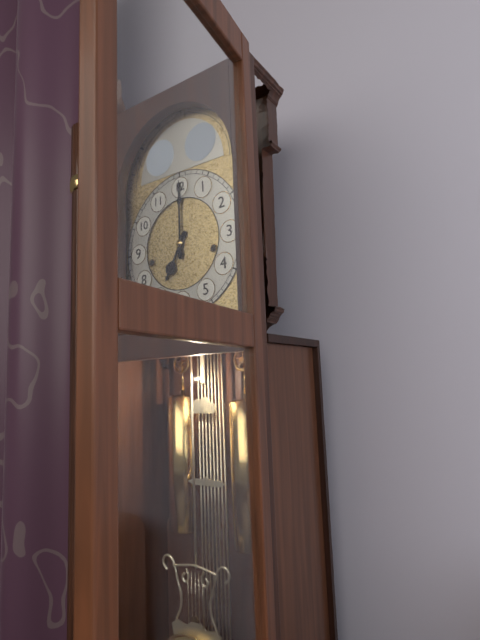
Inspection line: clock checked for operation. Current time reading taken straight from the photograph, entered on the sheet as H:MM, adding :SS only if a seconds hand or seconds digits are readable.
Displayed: 7:00
